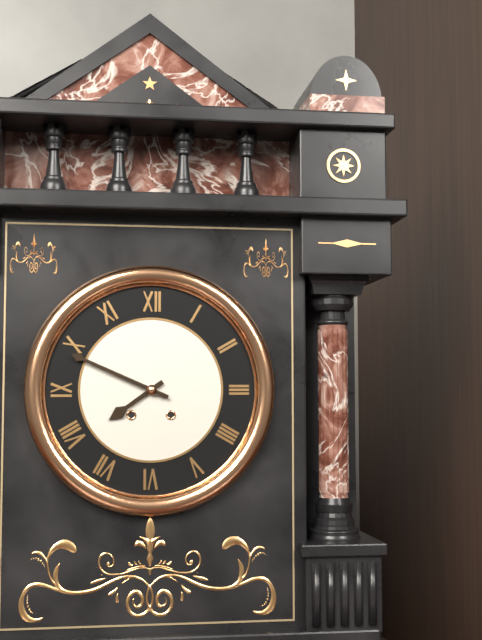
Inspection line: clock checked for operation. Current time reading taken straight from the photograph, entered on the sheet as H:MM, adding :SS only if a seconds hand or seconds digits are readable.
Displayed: 7:49
